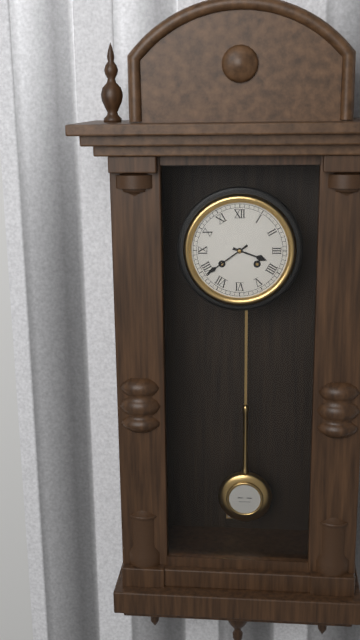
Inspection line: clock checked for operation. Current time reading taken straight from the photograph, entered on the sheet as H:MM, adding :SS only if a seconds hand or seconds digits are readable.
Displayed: 3:39
